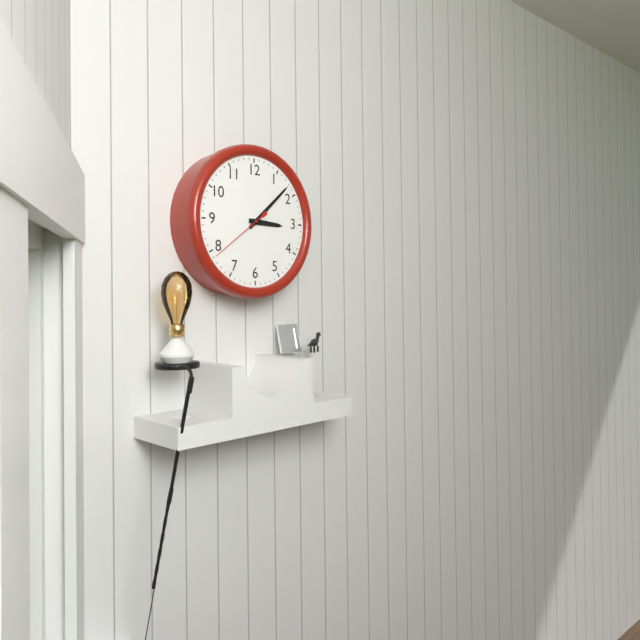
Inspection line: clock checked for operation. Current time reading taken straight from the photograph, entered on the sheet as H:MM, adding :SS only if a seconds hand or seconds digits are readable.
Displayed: 3:08
